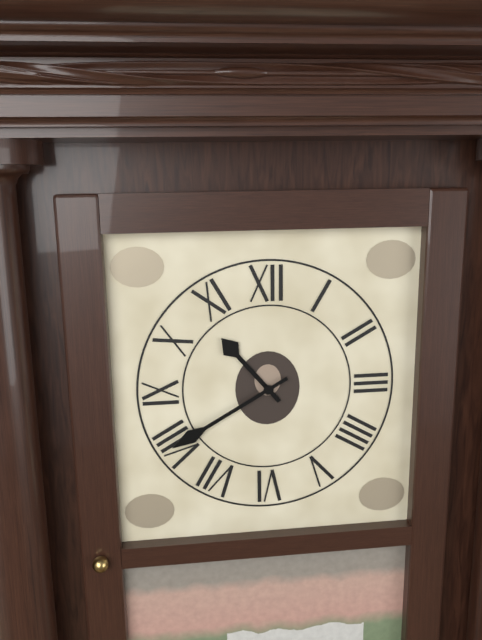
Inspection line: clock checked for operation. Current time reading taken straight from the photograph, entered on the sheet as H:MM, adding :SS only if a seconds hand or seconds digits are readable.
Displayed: 10:40
